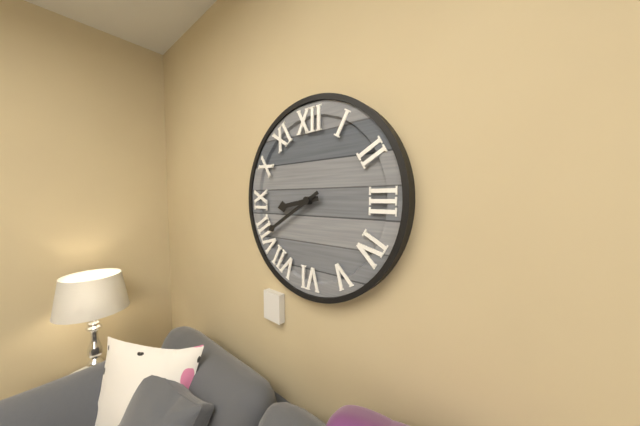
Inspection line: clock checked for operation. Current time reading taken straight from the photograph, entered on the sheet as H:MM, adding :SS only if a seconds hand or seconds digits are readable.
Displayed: 8:40
